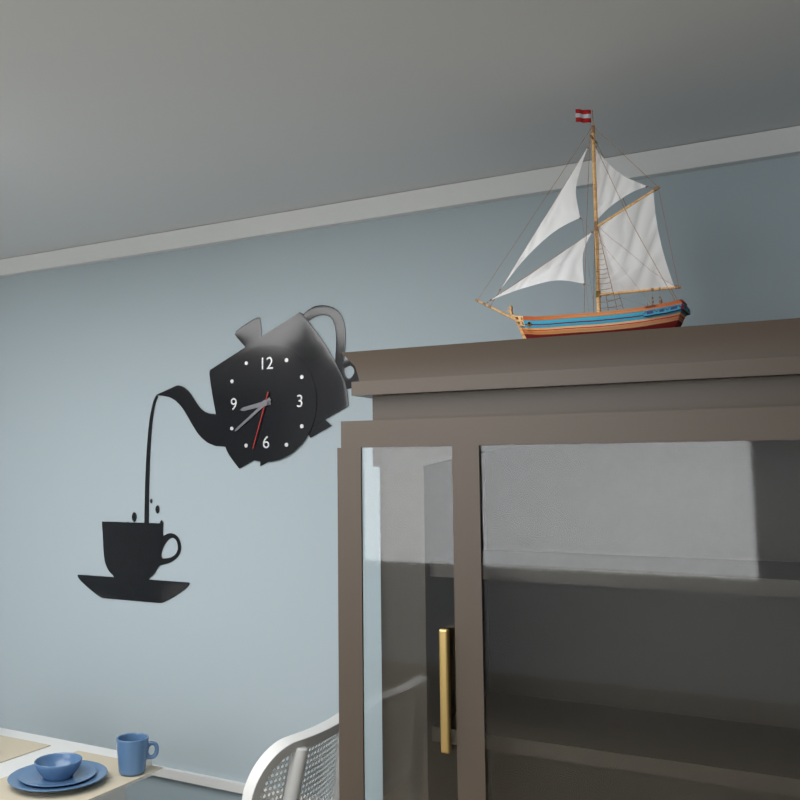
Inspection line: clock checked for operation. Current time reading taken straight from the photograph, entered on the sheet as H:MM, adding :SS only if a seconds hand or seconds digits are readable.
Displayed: 8:39:33
